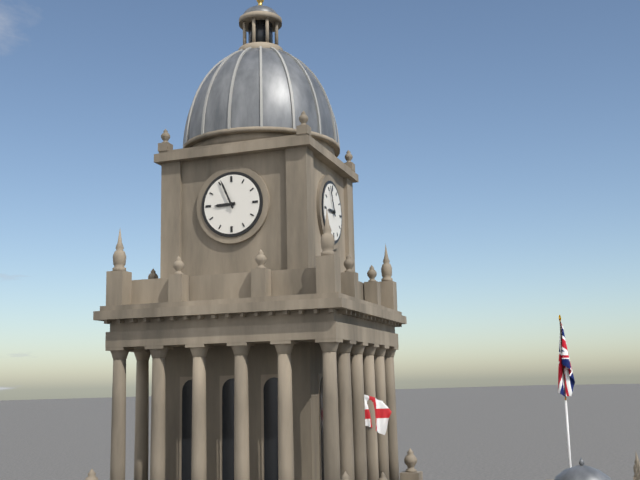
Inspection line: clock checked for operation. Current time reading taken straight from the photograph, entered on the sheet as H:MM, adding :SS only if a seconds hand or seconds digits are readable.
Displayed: 8:56
